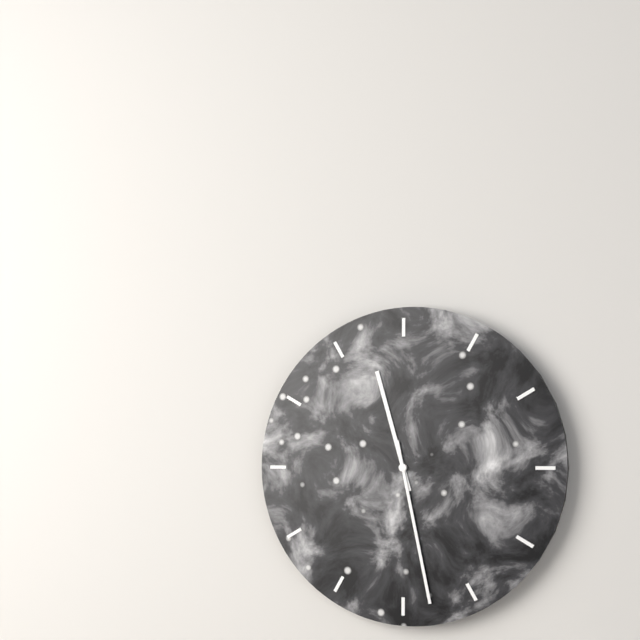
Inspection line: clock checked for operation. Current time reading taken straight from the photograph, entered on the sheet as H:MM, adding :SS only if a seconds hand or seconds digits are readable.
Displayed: 11:28
